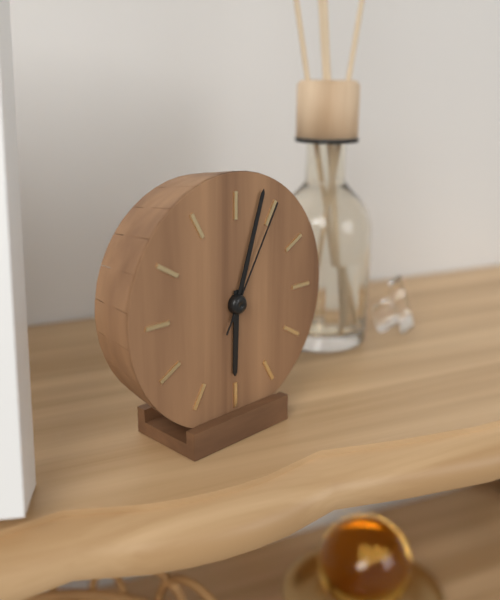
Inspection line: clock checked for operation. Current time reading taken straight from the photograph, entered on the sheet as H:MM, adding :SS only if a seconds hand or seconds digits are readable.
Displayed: 6:03:05
